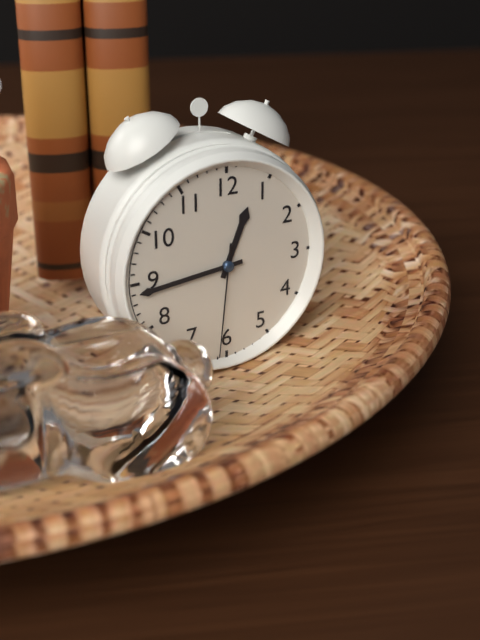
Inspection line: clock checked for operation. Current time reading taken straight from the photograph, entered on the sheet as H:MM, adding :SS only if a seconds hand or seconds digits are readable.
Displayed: 12:44:31
